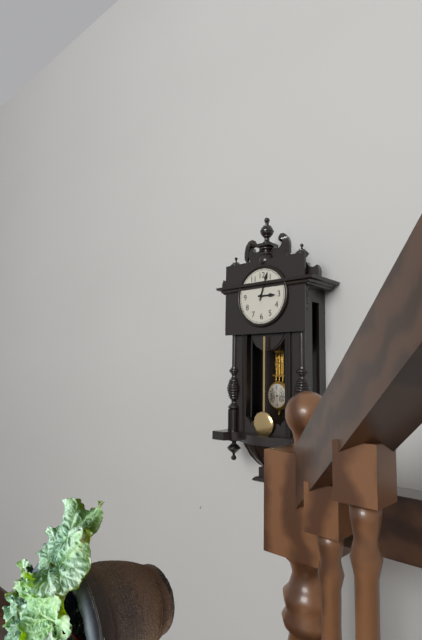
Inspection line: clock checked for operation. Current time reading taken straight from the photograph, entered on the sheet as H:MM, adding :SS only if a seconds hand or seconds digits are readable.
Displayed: 3:03
